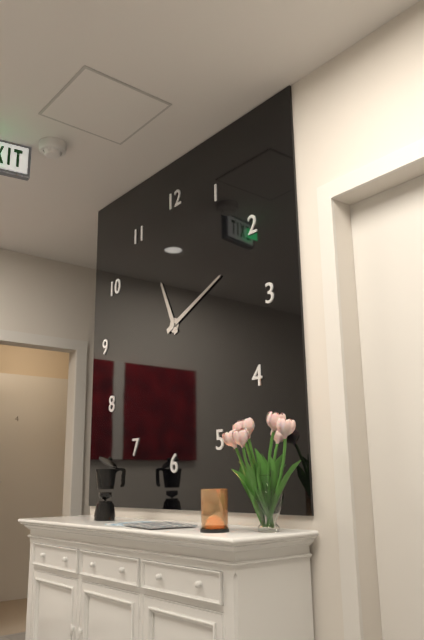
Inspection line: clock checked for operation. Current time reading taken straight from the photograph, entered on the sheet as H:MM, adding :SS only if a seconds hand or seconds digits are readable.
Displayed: 11:11
